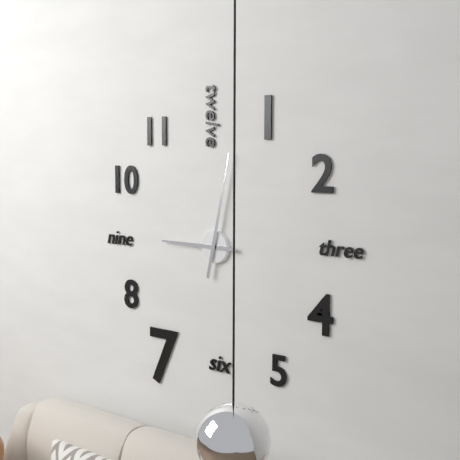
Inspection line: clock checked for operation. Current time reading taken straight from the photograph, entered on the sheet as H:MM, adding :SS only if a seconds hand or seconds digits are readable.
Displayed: 9:02
